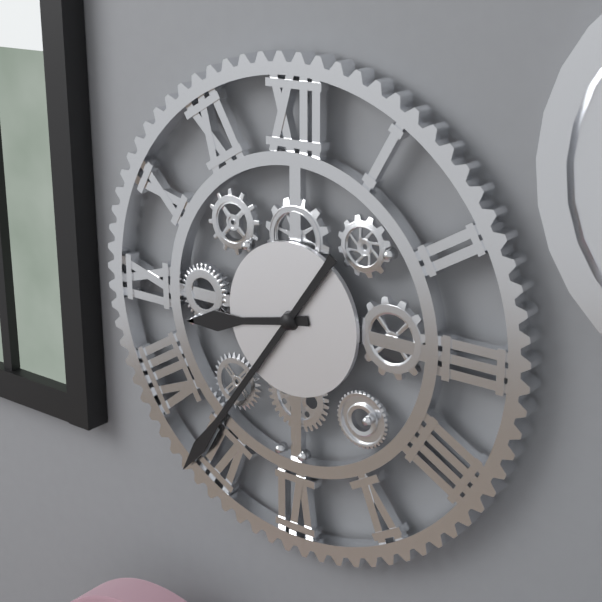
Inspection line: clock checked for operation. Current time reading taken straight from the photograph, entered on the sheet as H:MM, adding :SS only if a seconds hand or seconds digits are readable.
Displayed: 8:36
